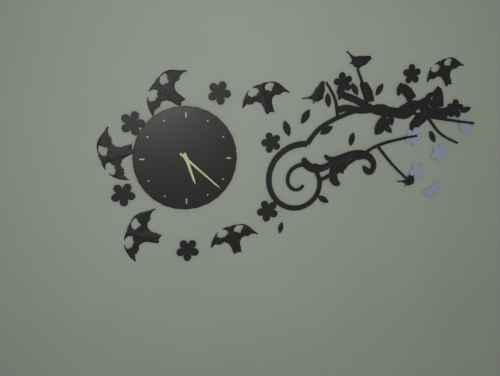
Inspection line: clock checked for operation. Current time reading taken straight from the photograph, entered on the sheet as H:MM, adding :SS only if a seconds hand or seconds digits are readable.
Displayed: 5:22
